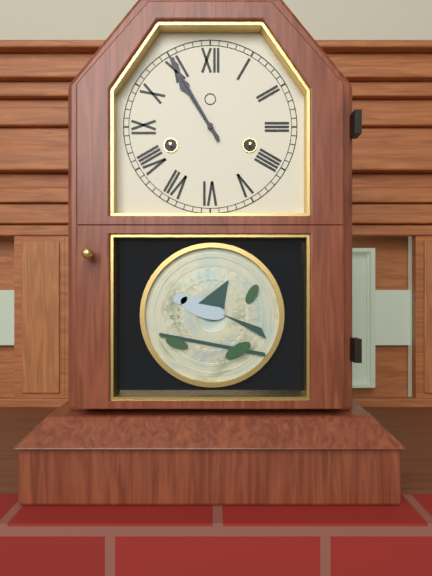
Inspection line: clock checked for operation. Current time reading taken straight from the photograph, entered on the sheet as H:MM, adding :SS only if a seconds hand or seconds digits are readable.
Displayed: 10:55
